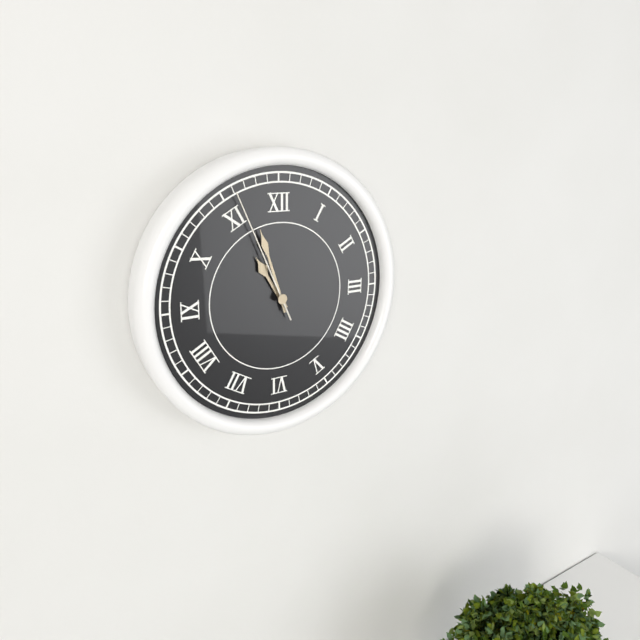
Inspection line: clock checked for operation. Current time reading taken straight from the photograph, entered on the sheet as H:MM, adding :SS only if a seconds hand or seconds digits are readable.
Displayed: 10:57:56
